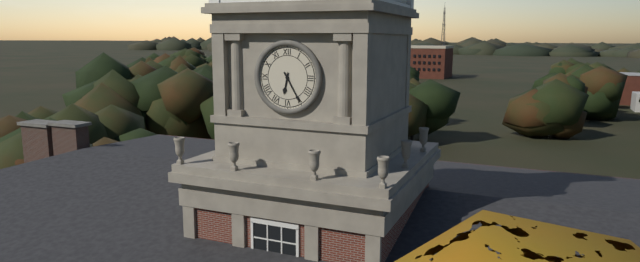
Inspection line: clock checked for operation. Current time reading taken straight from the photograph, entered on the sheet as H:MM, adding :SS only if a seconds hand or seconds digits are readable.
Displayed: 6:25
